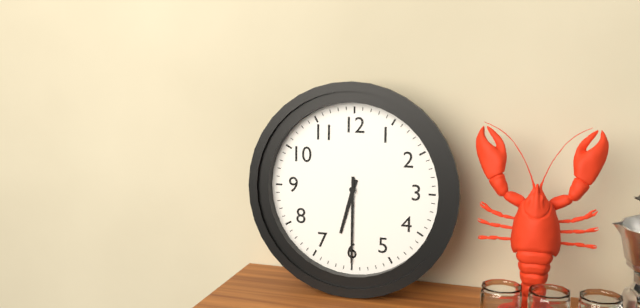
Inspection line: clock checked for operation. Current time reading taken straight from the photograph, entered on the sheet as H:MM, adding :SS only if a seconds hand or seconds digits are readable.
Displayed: 6:30
